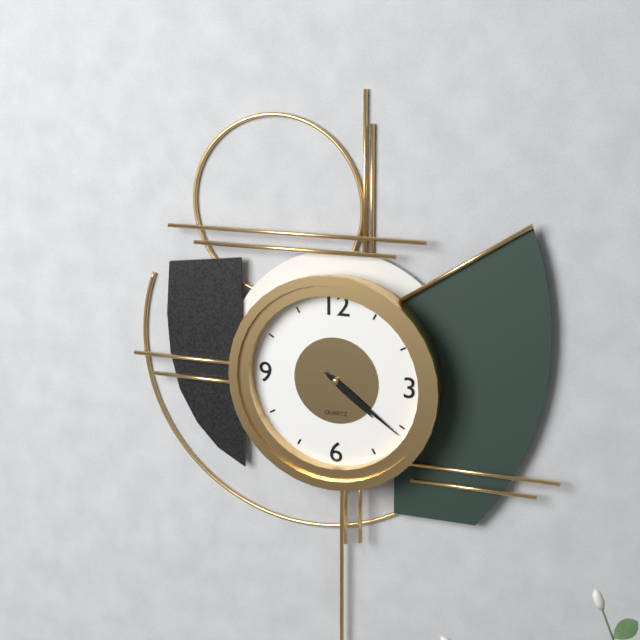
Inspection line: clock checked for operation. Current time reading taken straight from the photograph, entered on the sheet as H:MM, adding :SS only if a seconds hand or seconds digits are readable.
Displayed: 4:21
